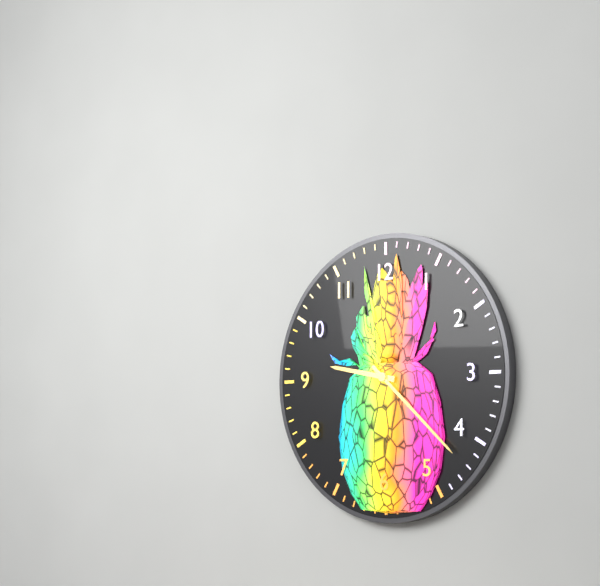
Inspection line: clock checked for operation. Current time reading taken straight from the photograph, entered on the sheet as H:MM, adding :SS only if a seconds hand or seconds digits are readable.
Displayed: 9:22
